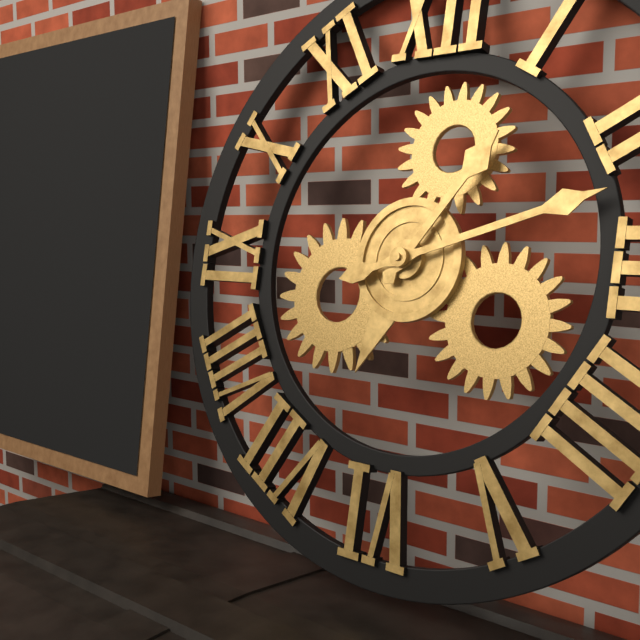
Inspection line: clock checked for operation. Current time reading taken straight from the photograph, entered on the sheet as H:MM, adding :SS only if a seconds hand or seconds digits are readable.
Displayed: 1:12
